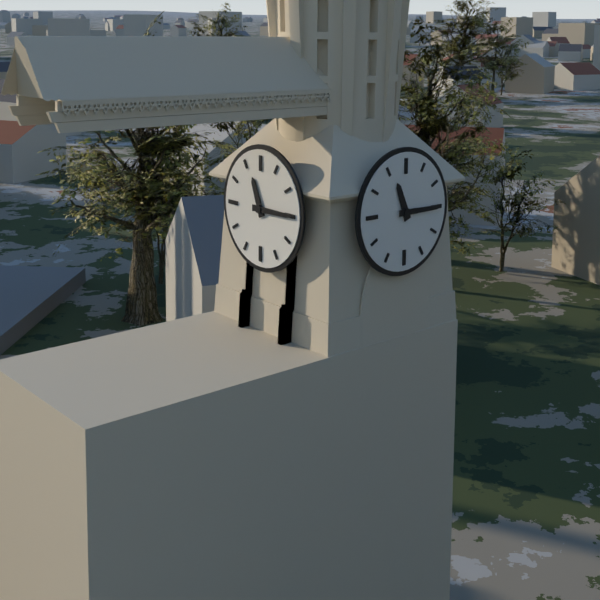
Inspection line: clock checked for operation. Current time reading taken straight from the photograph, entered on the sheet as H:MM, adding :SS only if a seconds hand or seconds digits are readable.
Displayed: 11:15
